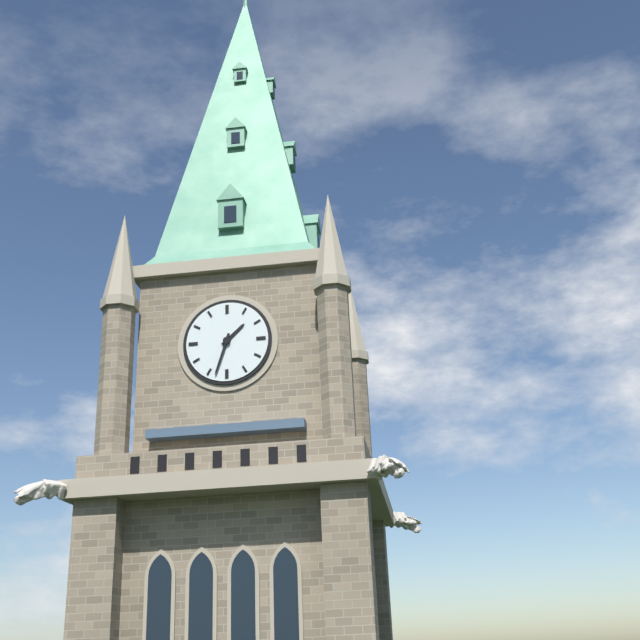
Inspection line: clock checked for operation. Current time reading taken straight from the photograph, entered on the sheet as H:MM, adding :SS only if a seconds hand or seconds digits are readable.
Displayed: 1:33
